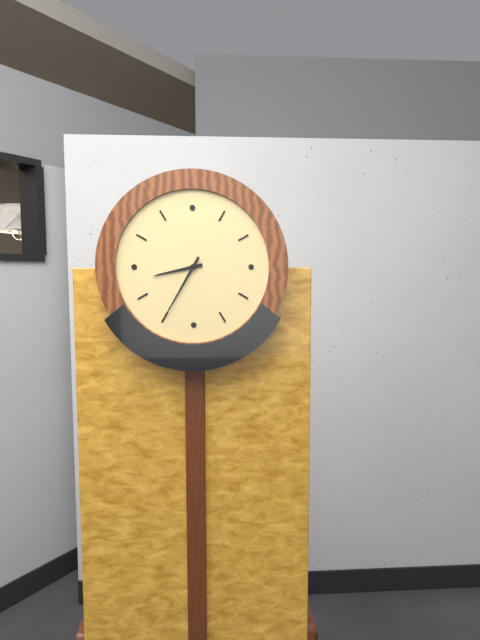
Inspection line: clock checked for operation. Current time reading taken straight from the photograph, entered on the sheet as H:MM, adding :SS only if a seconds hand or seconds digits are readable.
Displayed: 8:35
